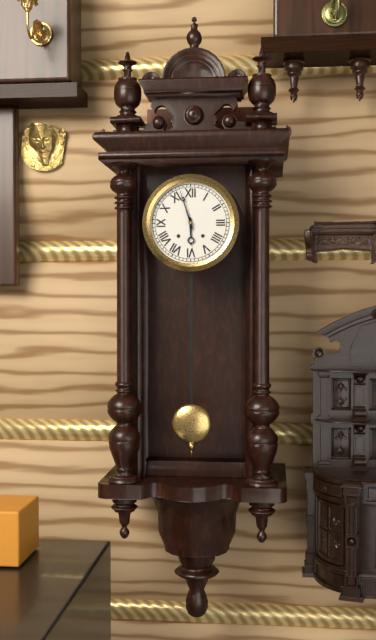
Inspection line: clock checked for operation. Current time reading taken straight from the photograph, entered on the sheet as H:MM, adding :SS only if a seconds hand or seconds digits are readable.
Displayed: 5:57
